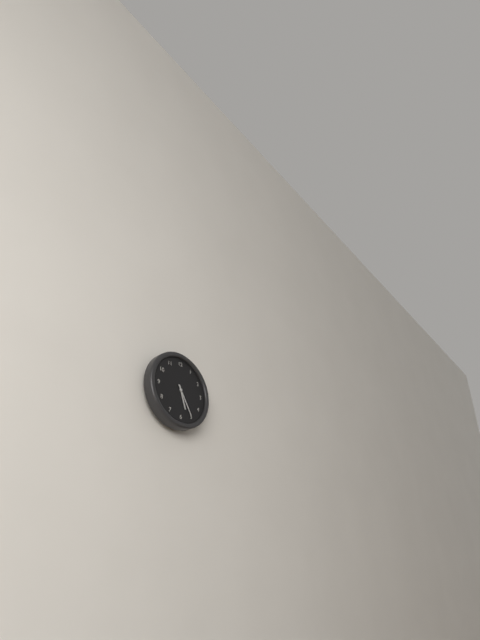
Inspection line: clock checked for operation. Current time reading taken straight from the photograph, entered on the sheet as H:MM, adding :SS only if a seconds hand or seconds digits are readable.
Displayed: 5:25
